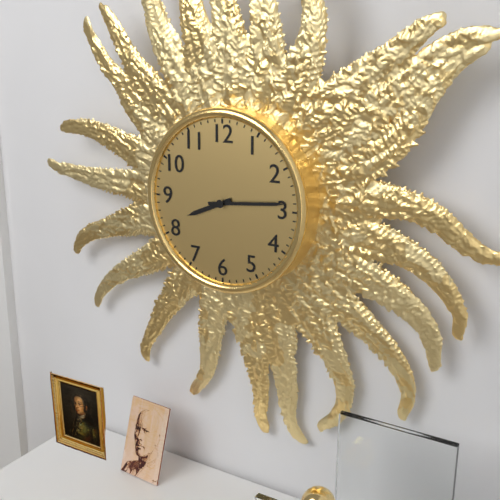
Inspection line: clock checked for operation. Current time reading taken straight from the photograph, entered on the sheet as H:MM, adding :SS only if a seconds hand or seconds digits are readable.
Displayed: 8:14
